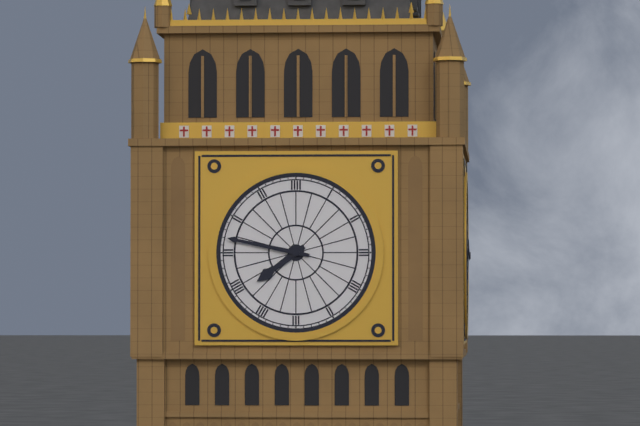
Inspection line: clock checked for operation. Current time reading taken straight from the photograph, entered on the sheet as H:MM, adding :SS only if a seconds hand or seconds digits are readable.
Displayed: 7:47
